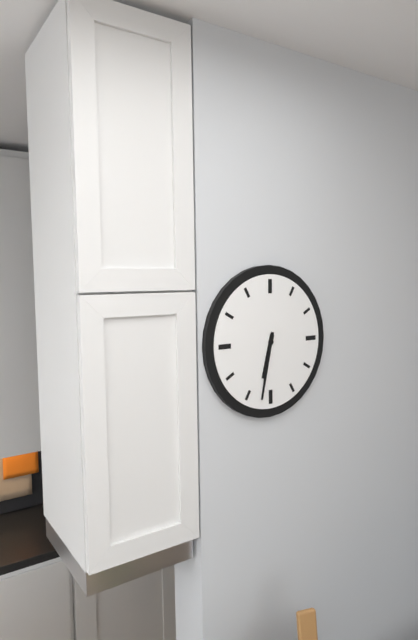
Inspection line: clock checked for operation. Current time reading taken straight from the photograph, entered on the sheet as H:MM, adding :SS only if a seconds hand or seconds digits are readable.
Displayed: 6:32
